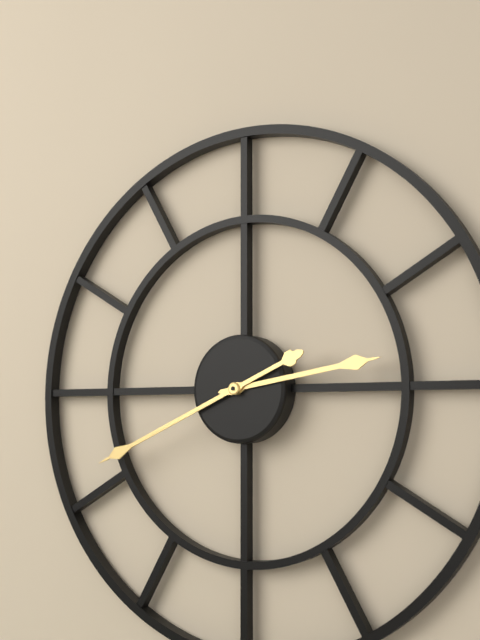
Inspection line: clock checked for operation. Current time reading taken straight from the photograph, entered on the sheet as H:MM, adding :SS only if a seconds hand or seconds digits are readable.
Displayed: 2:41
